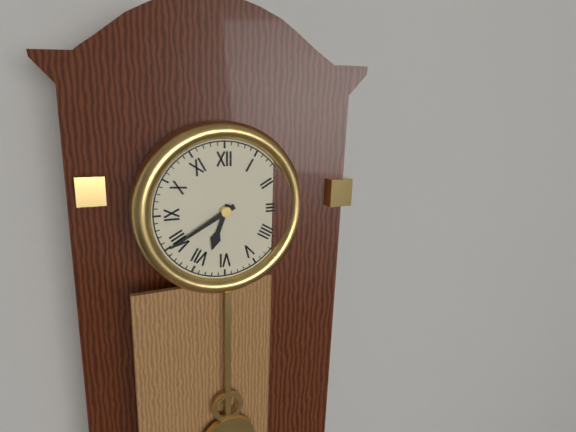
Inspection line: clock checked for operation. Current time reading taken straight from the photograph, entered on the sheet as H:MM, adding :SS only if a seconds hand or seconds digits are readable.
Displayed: 6:40
